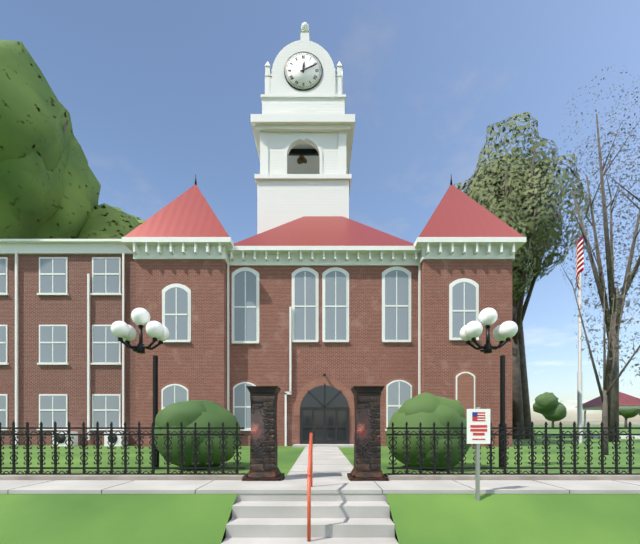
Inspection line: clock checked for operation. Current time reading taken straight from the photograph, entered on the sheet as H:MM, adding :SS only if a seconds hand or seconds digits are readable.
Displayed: 12:11
